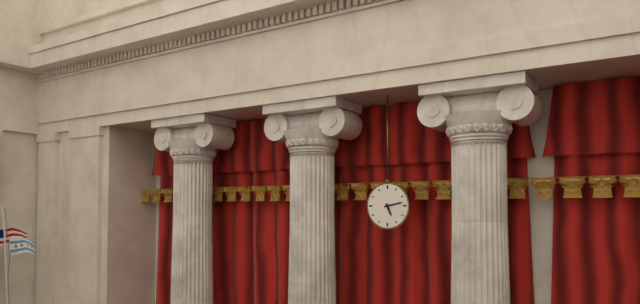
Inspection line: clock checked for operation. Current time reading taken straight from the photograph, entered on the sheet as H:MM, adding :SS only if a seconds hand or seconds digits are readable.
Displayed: 5:13
